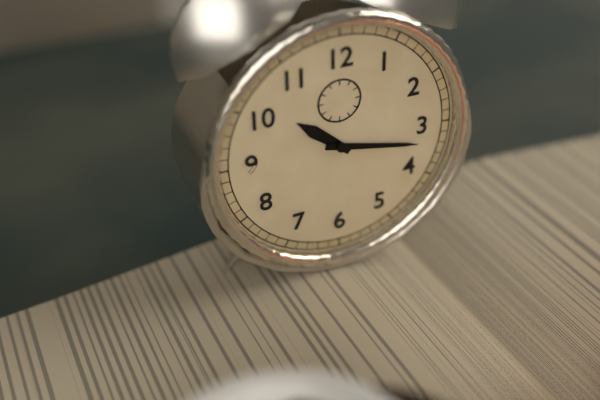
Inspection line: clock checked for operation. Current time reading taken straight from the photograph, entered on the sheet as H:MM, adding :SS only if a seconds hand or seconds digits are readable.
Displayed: 10:17
